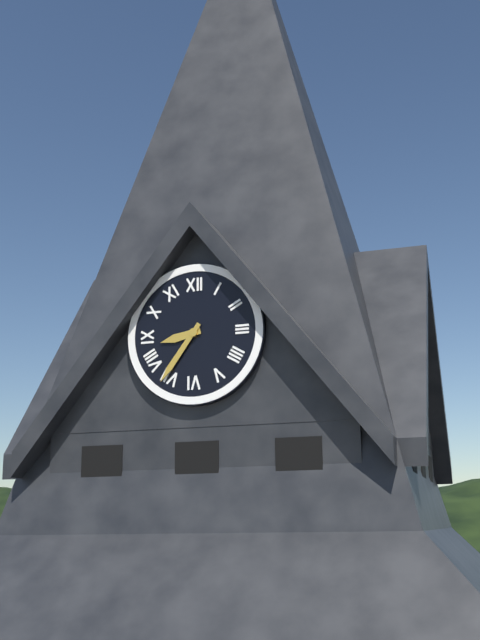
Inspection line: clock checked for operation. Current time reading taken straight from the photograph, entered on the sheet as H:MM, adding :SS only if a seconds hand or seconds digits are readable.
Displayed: 8:36
